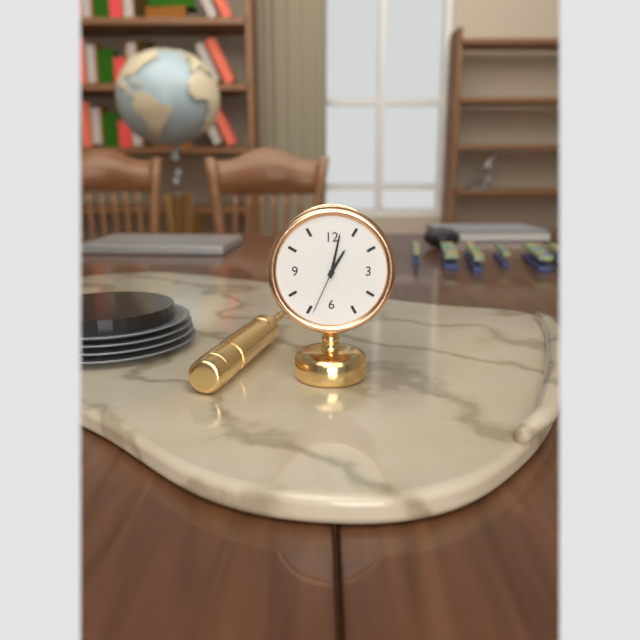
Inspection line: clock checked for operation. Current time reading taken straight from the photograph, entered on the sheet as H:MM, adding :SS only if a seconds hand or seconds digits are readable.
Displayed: 1:02:34
